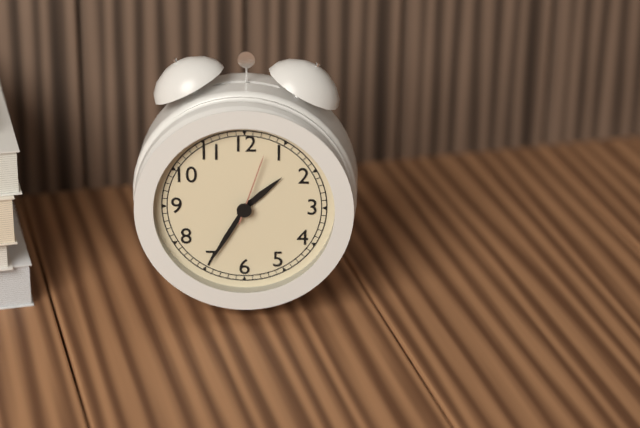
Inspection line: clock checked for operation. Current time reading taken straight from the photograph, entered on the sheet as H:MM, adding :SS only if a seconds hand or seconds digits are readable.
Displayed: 1:35:03
